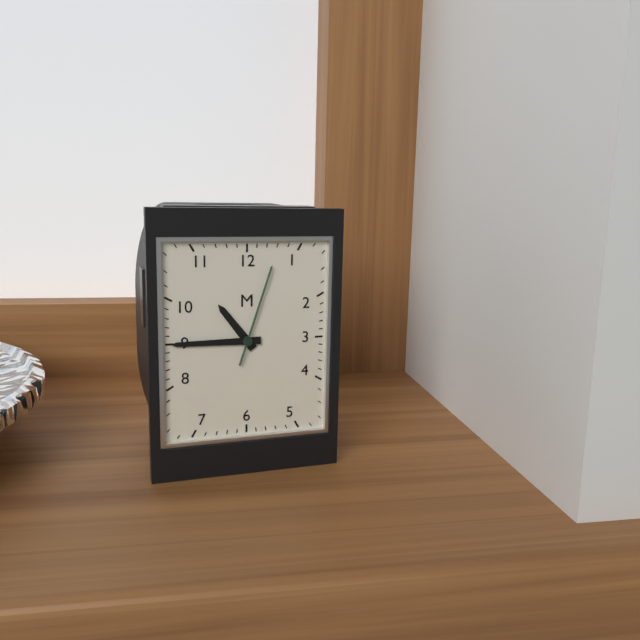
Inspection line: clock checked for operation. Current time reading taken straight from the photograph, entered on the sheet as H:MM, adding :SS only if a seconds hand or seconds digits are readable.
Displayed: 10:45:03
